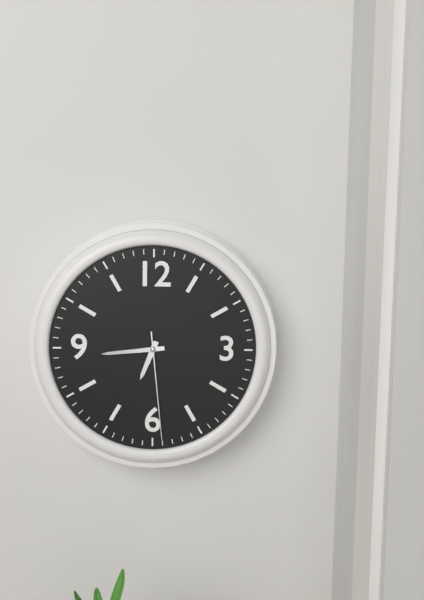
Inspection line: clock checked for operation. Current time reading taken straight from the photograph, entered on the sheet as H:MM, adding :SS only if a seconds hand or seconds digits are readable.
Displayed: 6:44:29
